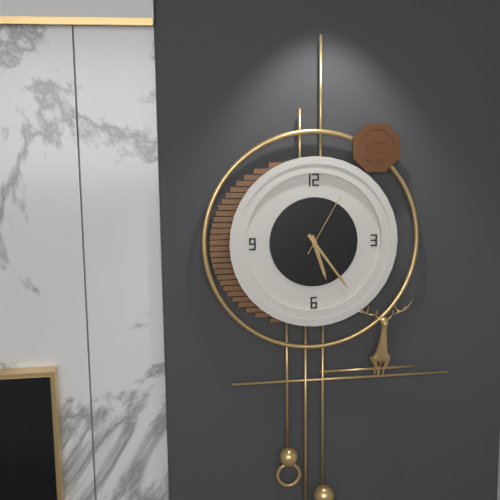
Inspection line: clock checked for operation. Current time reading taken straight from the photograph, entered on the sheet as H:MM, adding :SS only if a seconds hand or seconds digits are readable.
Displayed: 5:24:05
